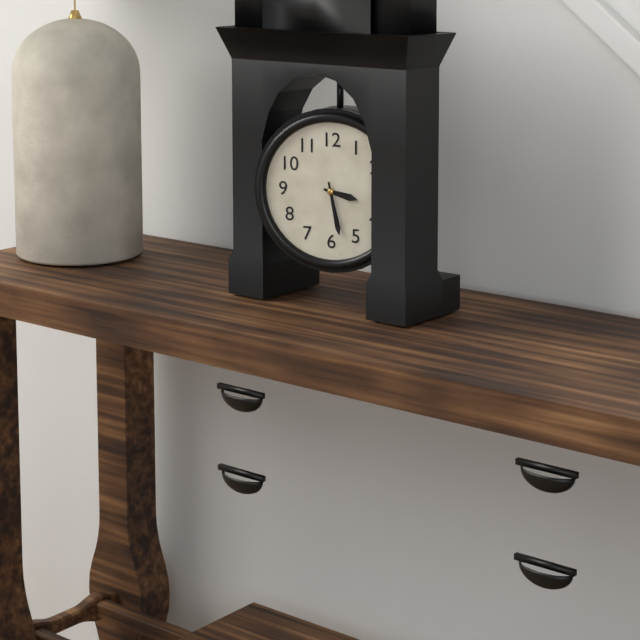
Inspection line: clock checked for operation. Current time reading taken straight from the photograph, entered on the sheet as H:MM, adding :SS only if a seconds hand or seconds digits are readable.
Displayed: 3:28
